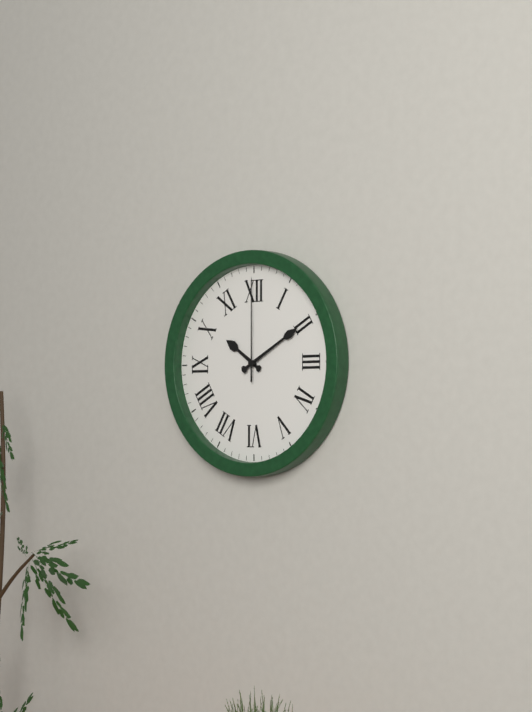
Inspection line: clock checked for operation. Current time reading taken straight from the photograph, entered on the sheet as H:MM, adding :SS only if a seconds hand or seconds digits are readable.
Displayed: 10:10:00
